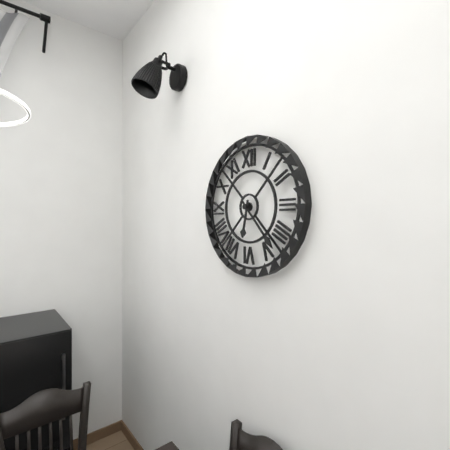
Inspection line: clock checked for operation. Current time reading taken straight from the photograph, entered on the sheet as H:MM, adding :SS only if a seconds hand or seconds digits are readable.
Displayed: 6:23
